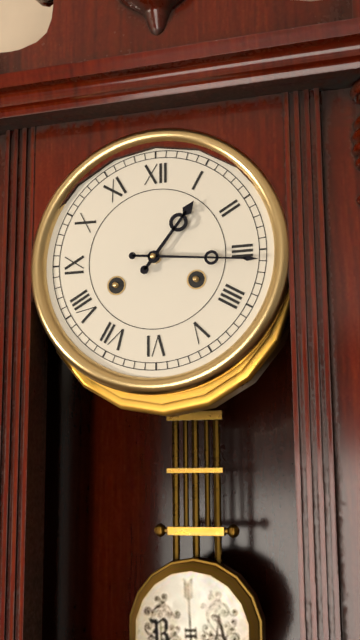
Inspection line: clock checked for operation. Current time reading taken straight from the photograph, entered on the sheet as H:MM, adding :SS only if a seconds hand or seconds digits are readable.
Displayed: 1:16
